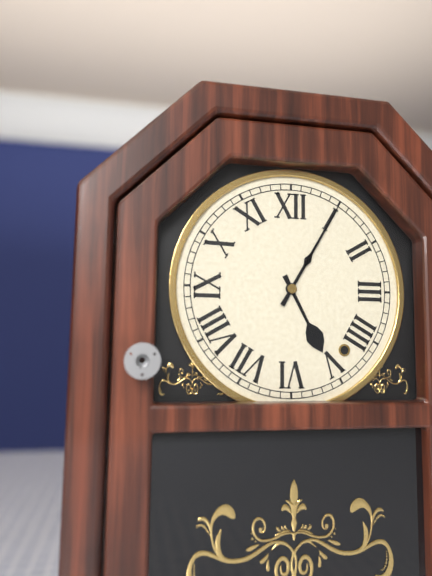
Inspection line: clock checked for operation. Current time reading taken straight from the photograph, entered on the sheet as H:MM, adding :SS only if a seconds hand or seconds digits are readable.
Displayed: 5:05
